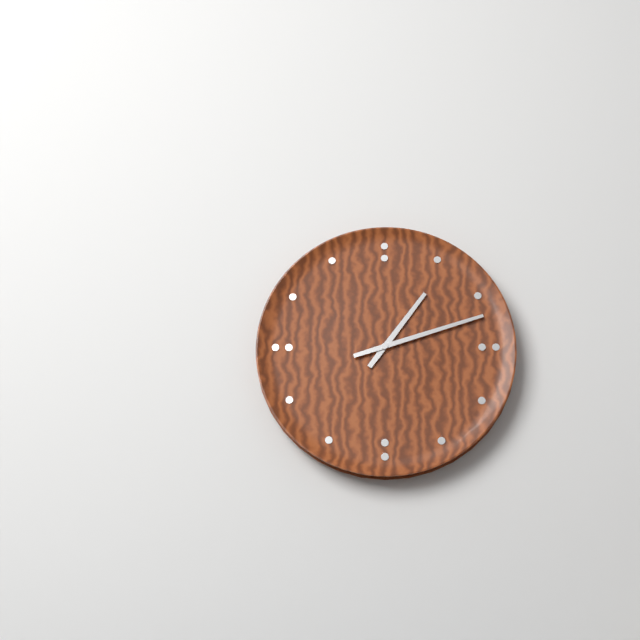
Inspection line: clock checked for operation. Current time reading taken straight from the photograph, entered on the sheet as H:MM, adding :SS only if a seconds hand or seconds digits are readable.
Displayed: 1:12
